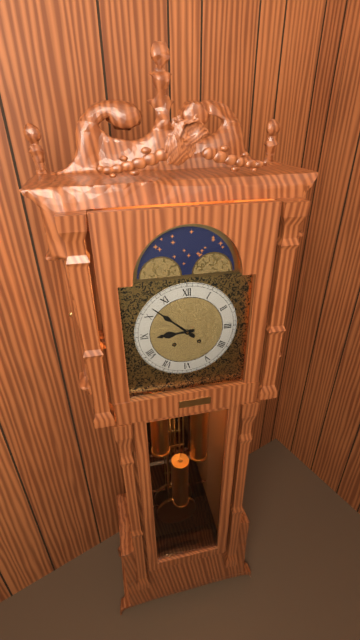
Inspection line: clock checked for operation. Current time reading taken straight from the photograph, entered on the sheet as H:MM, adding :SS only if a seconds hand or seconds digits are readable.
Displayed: 8:52
